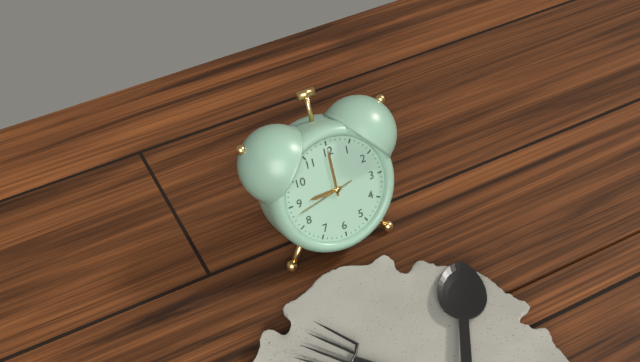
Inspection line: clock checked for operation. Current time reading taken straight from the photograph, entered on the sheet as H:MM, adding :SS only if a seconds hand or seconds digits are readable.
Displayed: 9:00:43
